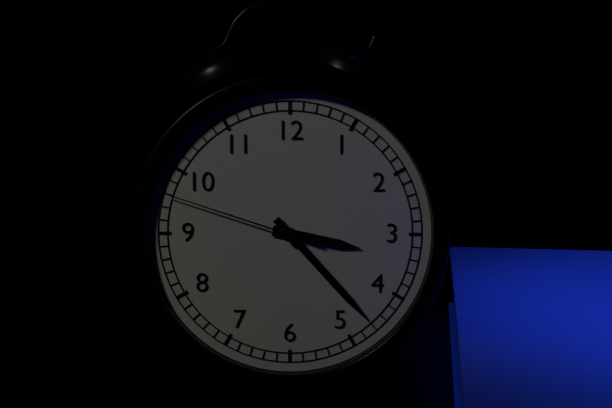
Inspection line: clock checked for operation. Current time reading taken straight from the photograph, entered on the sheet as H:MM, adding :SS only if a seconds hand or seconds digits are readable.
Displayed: 3:23:48
